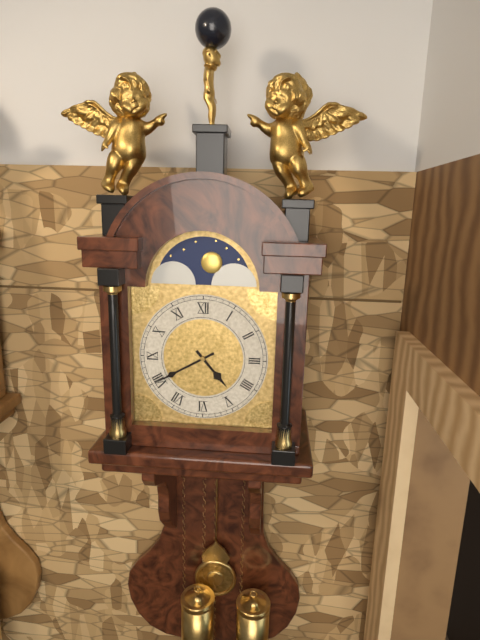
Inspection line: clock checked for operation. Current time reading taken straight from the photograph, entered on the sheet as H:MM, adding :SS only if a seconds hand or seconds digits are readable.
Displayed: 4:40
